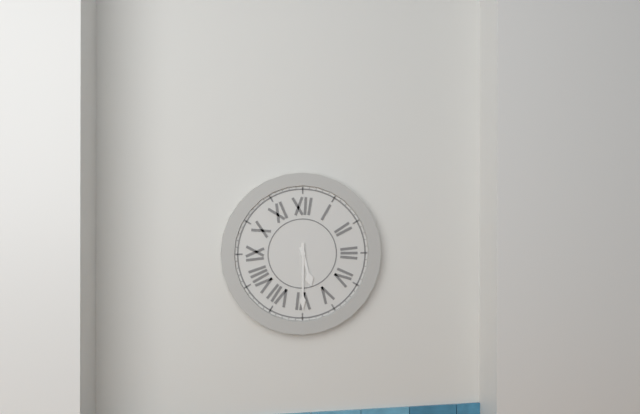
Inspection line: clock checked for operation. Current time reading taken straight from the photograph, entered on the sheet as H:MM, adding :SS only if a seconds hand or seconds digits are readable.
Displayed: 5:30
